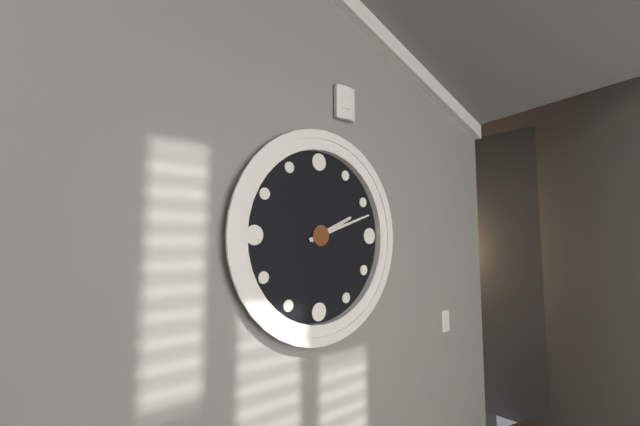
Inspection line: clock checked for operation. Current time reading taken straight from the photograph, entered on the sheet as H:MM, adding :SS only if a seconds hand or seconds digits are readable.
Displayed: 2:12
